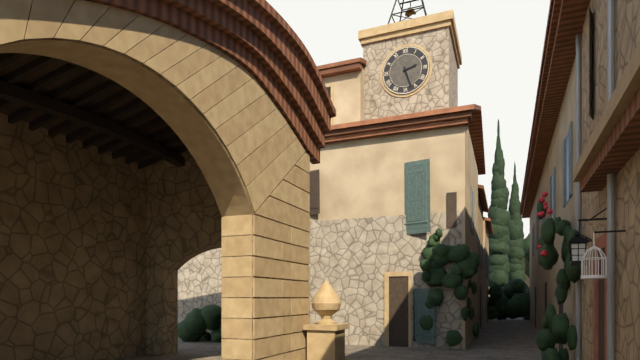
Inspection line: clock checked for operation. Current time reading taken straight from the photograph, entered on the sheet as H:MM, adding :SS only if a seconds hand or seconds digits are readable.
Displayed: 2:27
